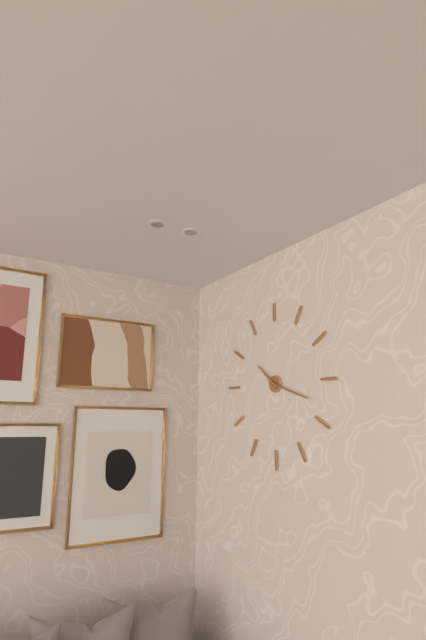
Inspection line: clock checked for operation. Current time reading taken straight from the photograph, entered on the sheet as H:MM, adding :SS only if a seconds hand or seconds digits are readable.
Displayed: 10:18
